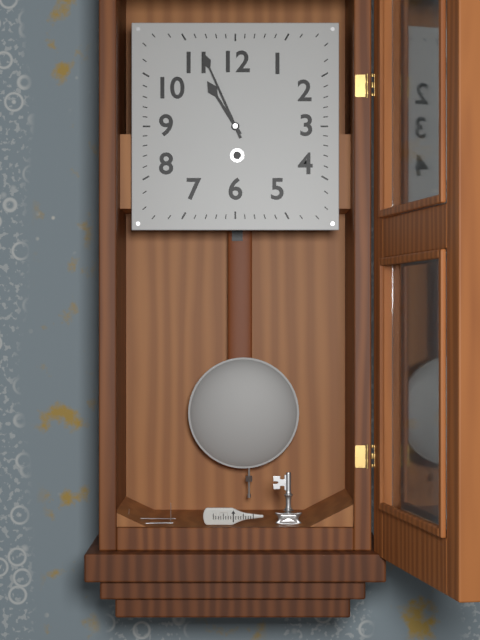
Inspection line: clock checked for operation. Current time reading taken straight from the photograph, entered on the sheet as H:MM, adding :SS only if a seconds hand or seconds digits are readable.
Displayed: 10:56
